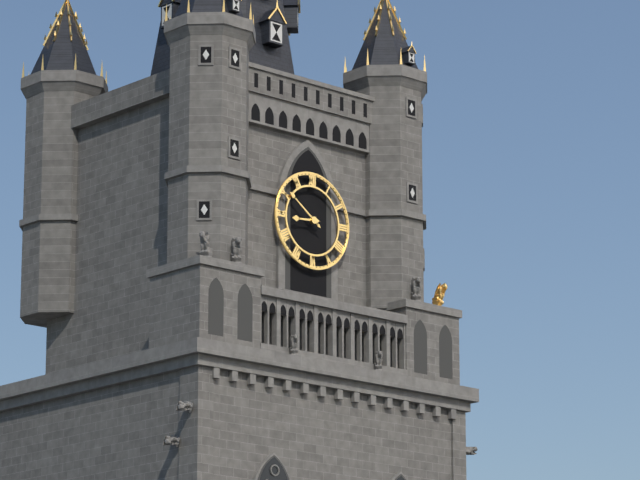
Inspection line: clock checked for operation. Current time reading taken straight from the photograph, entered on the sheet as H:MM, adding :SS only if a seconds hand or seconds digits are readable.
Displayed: 8:51
